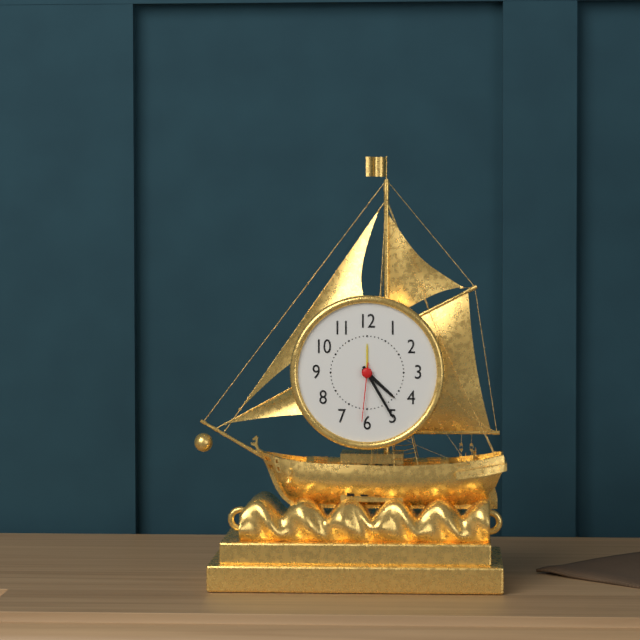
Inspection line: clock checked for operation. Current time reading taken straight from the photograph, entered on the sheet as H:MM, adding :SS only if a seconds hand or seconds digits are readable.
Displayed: 4:25:31
